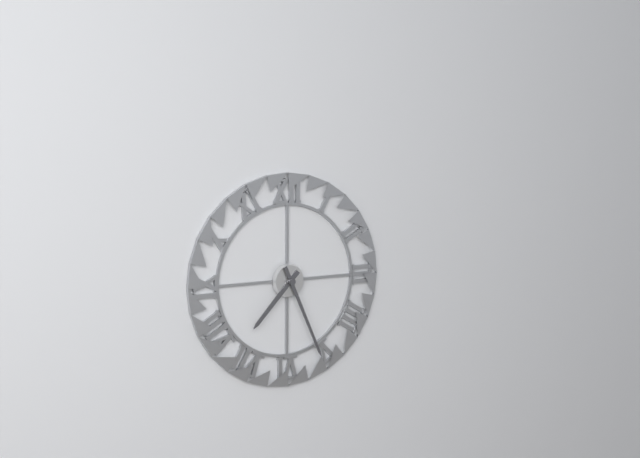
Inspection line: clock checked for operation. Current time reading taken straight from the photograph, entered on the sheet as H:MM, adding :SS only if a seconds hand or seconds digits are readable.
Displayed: 7:26
